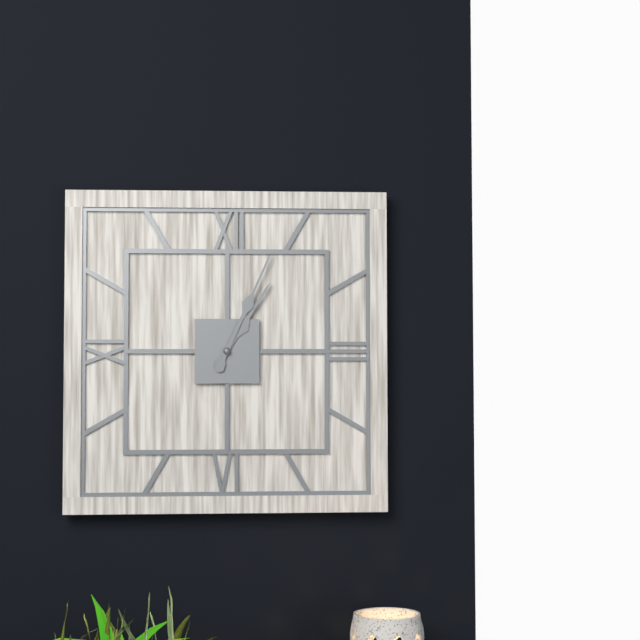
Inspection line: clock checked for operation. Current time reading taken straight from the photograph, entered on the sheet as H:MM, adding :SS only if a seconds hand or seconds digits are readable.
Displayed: 1:04
